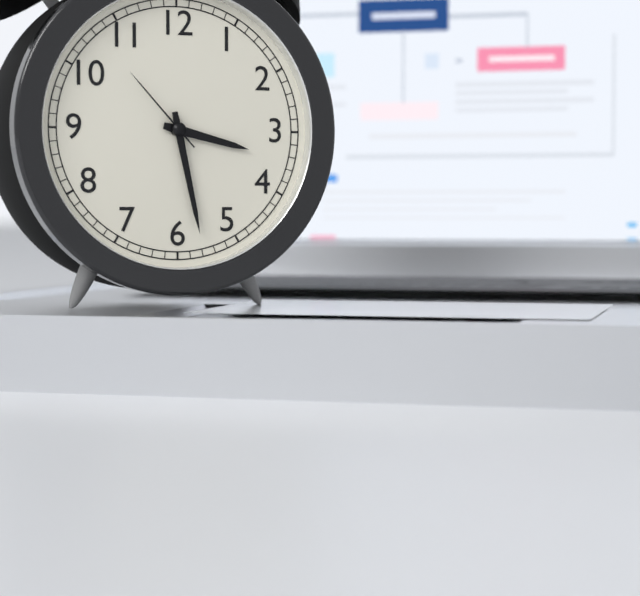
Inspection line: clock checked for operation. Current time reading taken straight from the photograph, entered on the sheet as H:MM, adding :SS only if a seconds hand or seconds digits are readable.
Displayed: 3:28:53
